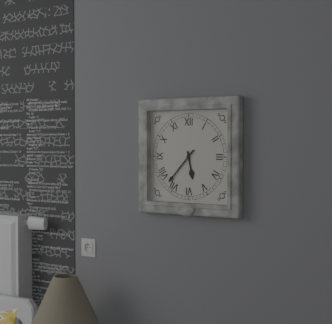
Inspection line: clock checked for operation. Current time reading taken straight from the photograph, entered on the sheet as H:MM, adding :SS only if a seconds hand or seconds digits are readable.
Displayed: 5:37
